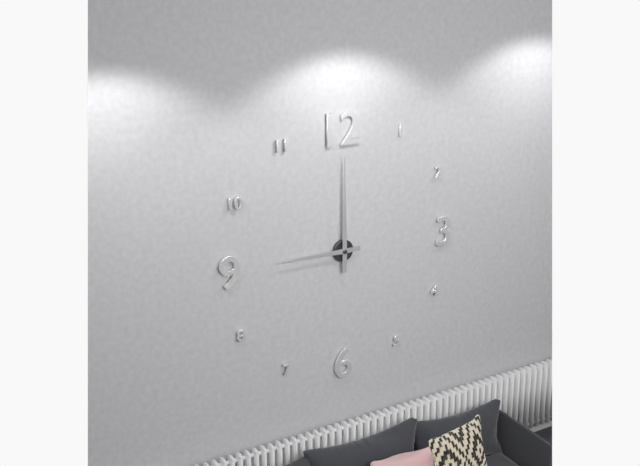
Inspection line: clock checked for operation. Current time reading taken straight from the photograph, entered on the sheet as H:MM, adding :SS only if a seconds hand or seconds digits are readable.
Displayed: 9:00
